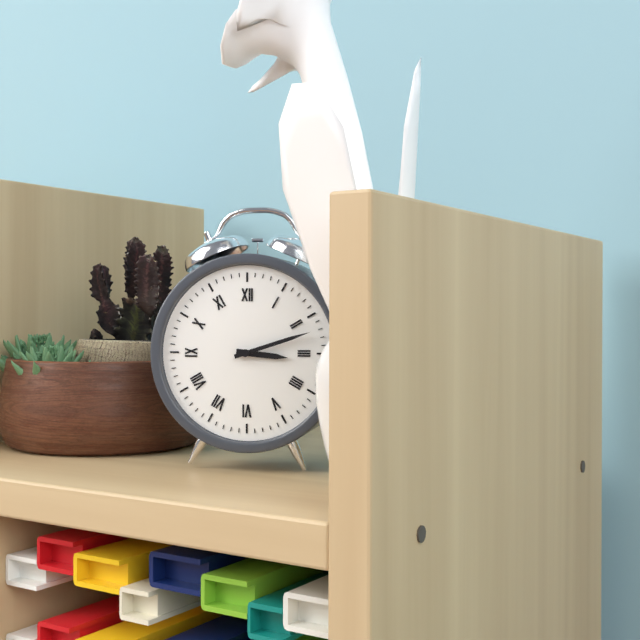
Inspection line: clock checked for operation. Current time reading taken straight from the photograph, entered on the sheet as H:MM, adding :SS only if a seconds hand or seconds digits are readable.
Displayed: 3:12
